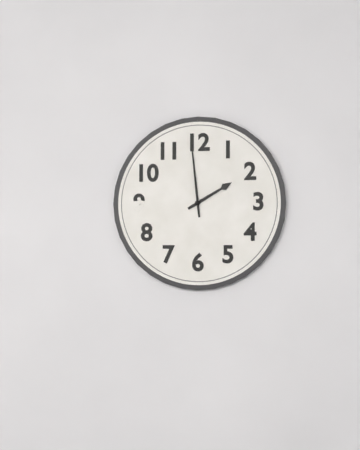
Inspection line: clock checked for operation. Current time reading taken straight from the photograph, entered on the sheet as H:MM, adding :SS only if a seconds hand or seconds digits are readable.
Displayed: 1:59
